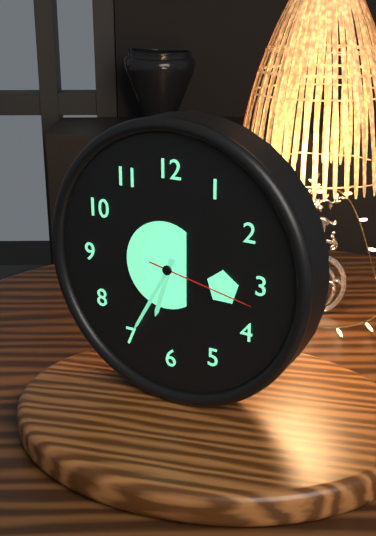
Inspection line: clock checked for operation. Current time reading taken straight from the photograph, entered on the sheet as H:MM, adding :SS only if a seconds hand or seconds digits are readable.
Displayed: 6:35:17
